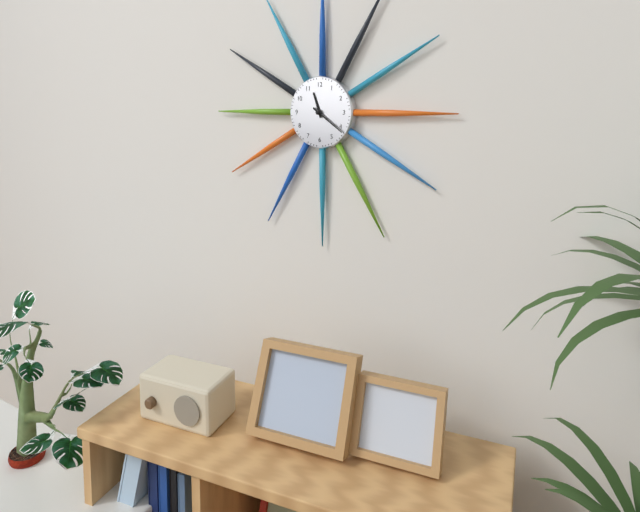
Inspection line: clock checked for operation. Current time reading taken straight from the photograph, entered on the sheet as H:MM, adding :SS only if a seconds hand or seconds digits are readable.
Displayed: 11:21
